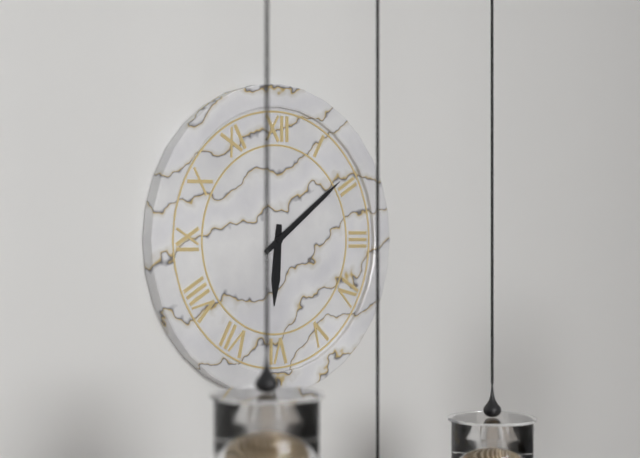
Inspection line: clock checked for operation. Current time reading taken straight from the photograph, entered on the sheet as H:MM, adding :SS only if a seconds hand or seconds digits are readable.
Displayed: 6:09
